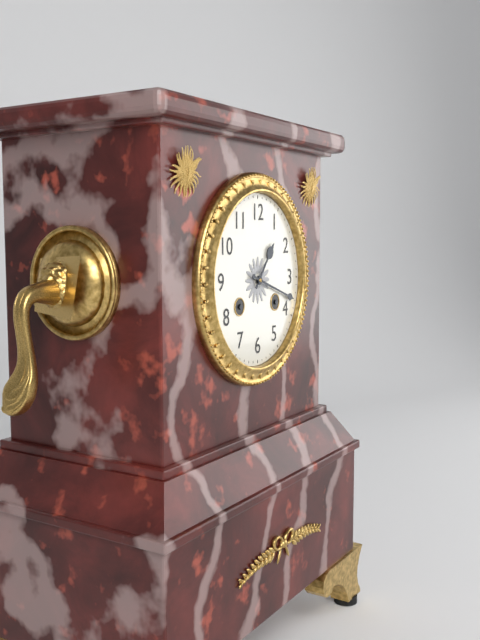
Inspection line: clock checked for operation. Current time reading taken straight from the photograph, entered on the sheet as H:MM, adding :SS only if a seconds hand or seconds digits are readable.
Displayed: 1:18
